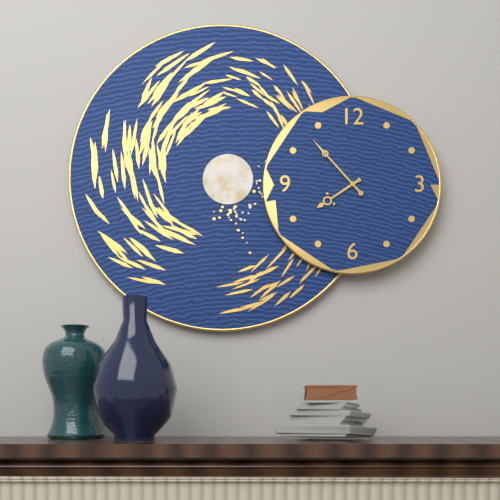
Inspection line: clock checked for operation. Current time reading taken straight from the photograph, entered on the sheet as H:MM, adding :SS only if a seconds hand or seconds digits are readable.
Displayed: 7:53
